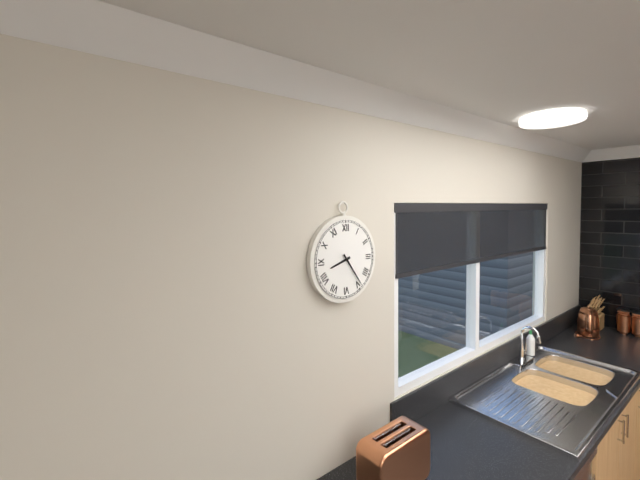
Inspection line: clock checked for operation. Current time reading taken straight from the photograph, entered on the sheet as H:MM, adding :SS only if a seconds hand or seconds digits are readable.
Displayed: 8:24
